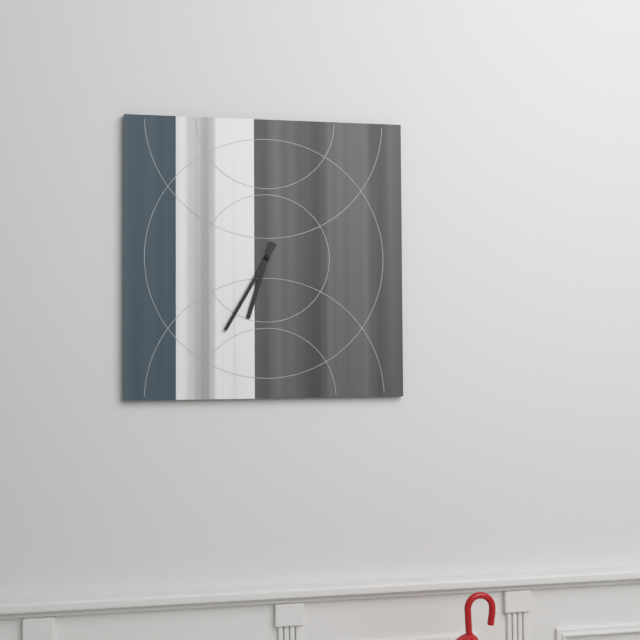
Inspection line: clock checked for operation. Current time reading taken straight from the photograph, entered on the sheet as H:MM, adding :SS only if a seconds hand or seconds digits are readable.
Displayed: 6:35
